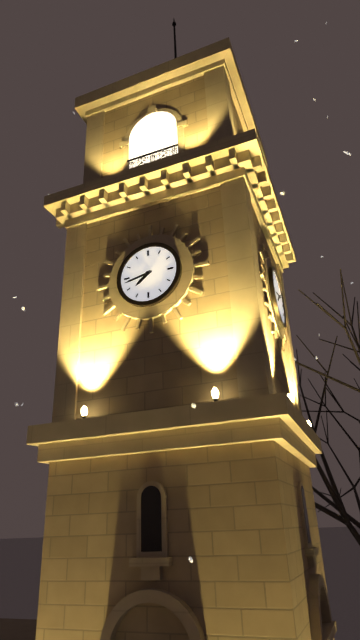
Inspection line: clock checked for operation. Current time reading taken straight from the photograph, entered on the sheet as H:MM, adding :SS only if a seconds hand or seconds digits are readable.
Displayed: 7:43
